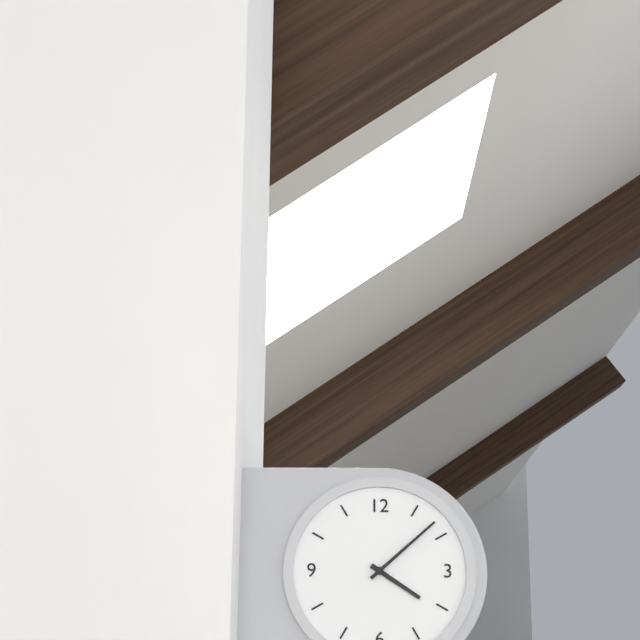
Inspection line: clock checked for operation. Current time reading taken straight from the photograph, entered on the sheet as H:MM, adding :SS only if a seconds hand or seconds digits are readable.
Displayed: 4:08
